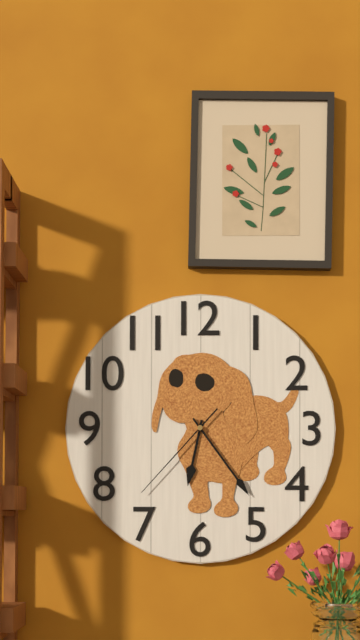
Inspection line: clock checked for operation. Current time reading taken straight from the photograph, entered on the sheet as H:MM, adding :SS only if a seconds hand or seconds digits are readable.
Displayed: 6:24:37
